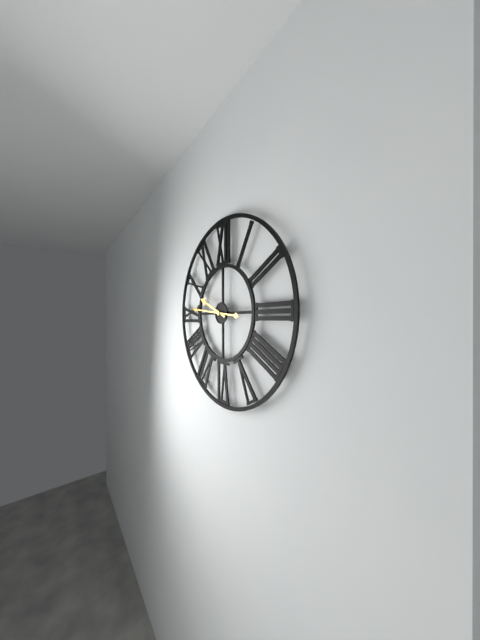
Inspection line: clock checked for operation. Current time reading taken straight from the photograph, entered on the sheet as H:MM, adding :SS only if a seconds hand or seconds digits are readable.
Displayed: 9:46
